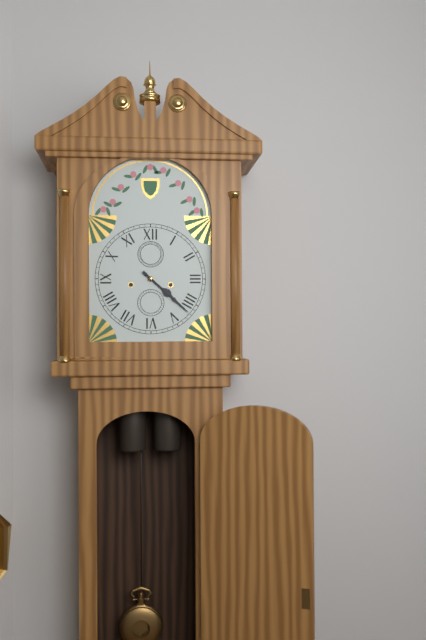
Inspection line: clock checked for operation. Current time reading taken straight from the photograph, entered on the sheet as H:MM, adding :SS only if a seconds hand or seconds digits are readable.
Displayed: 4:22
